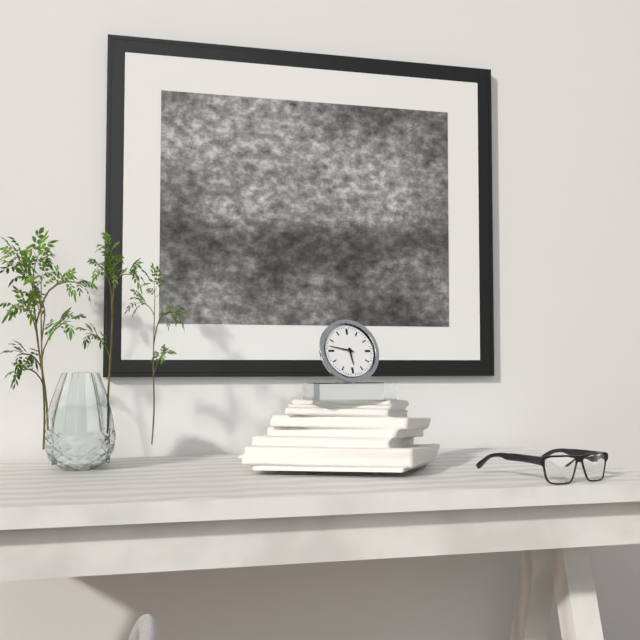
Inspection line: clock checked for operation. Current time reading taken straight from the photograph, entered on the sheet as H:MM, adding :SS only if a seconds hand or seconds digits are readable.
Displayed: 5:47
